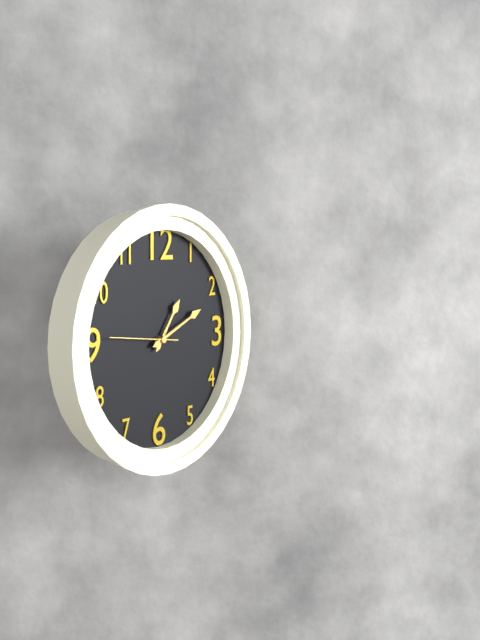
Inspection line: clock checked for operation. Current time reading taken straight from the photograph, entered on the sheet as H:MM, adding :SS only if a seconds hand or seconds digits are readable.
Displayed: 1:11:46
